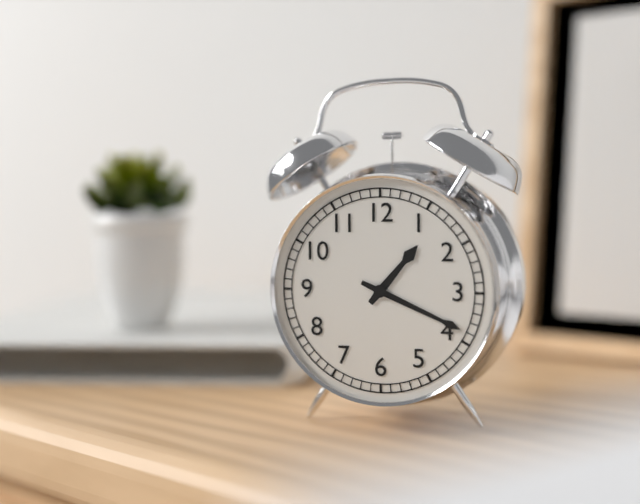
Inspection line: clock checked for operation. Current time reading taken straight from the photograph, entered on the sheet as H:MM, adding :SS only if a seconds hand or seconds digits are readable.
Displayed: 1:19
